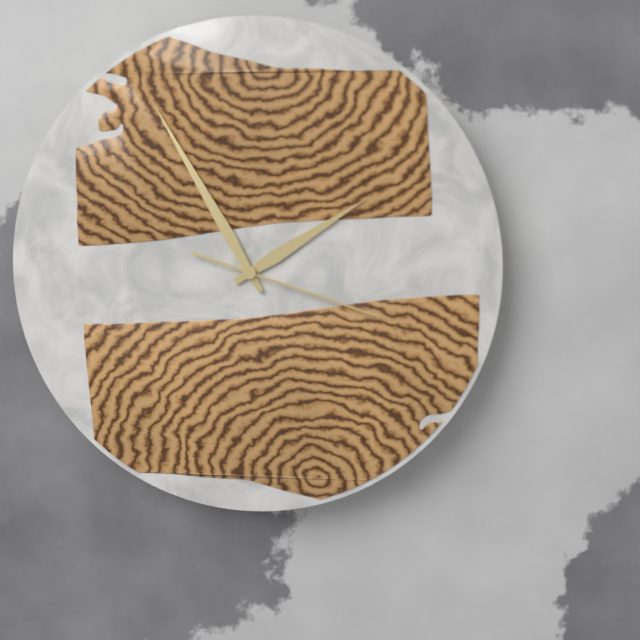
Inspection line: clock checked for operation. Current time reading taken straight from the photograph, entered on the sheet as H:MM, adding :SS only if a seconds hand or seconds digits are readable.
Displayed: 1:55:18
